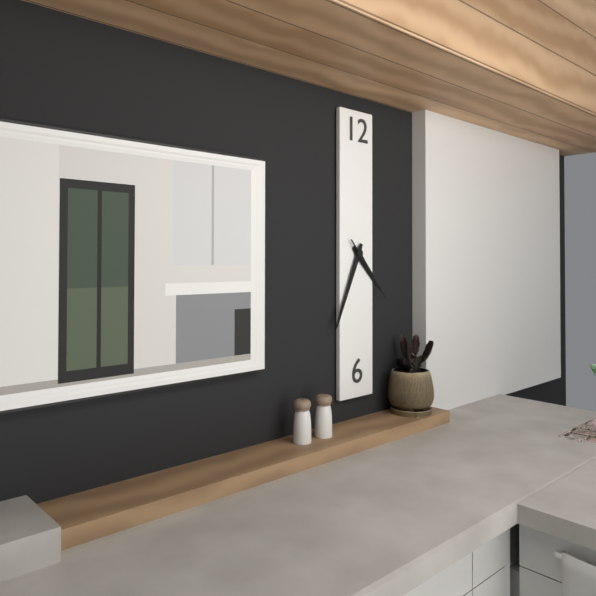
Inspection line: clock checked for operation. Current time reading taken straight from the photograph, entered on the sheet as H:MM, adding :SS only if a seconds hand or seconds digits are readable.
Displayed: 4:34:23
